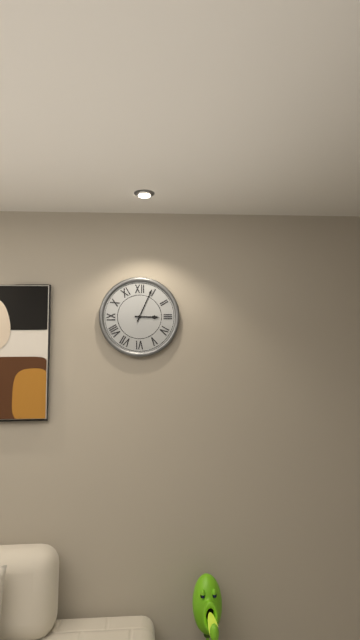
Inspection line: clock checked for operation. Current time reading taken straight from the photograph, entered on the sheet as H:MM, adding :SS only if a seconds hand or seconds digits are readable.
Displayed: 3:04
